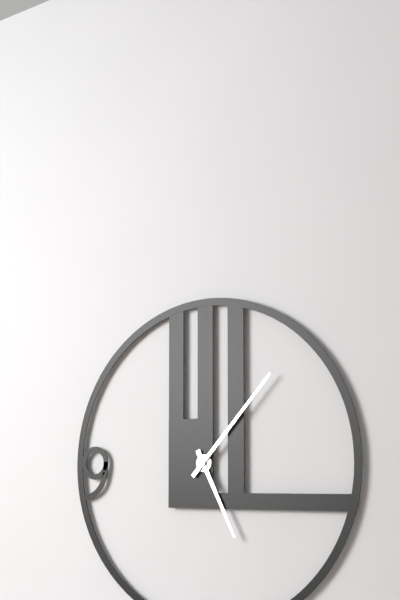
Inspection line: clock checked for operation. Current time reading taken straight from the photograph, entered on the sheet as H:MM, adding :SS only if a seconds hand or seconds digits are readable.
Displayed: 5:07
